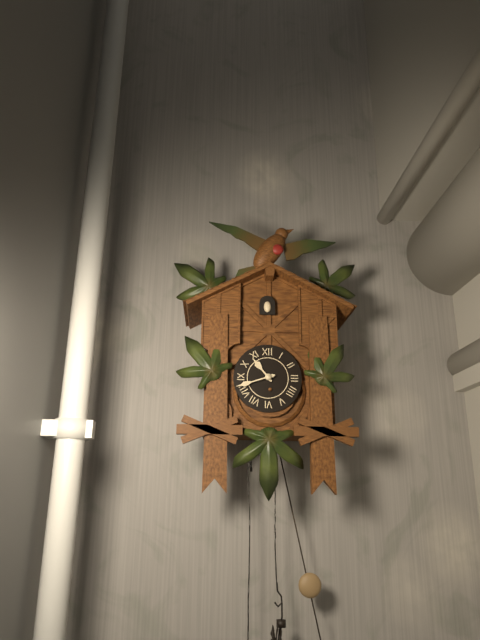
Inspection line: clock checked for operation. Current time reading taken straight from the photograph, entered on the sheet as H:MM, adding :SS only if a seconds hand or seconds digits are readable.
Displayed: 10:42
